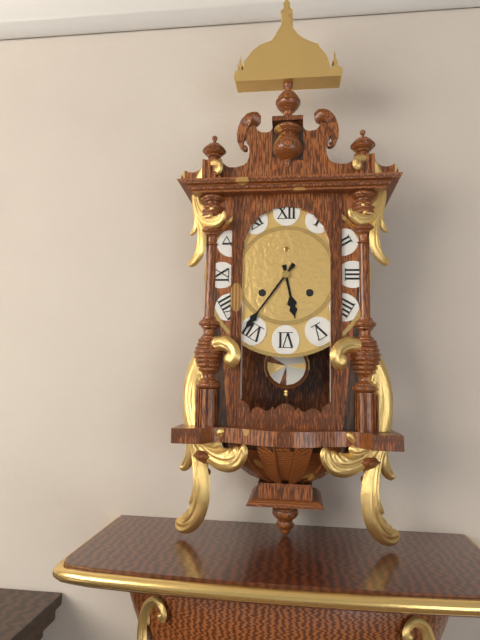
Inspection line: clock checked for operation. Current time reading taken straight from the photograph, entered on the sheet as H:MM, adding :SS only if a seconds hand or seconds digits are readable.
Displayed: 5:36
